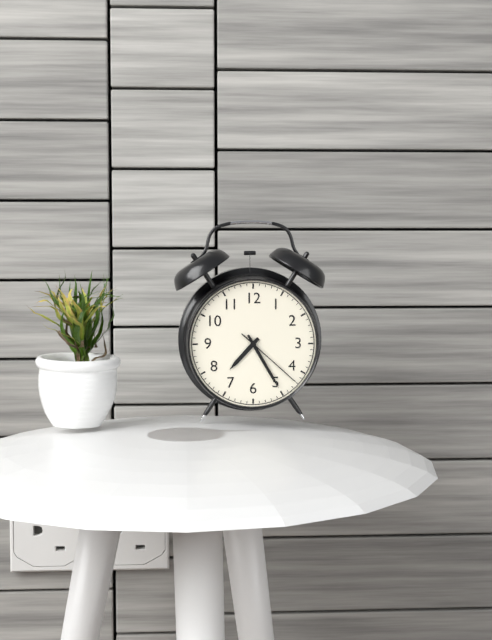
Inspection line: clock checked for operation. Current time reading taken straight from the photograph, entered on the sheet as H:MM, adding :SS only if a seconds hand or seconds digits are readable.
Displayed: 7:25:22
